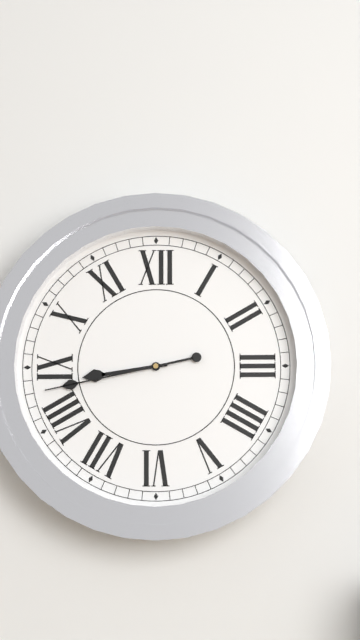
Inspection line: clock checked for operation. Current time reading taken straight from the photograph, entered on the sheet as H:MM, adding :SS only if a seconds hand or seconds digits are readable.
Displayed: 8:43
